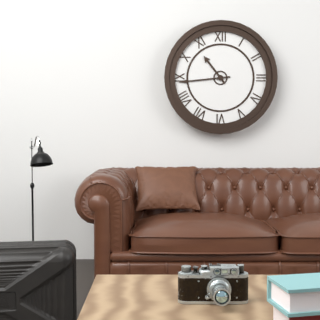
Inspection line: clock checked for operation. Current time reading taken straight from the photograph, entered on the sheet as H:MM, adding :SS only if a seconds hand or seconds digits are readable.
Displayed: 10:44
